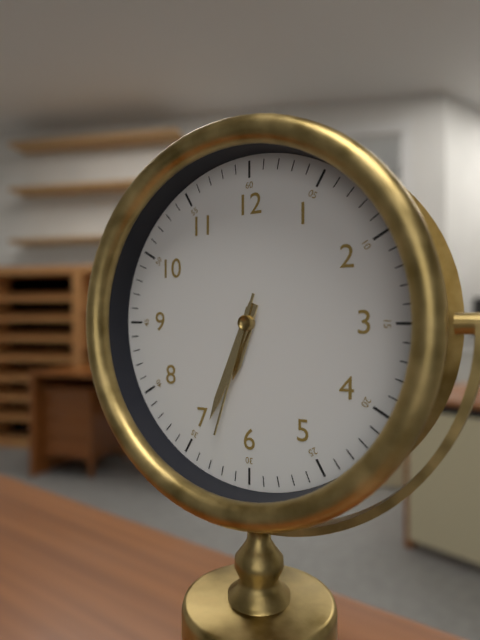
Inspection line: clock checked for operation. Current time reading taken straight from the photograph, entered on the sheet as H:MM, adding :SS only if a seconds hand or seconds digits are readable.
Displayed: 6:34:33
